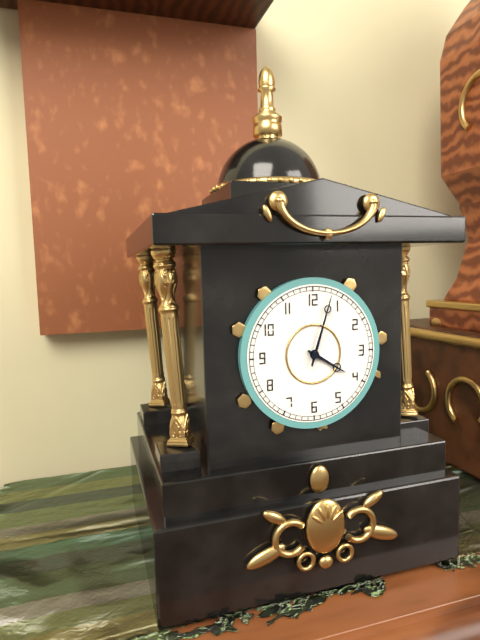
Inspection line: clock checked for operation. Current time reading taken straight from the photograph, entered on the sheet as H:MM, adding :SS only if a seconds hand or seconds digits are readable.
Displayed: 4:03
